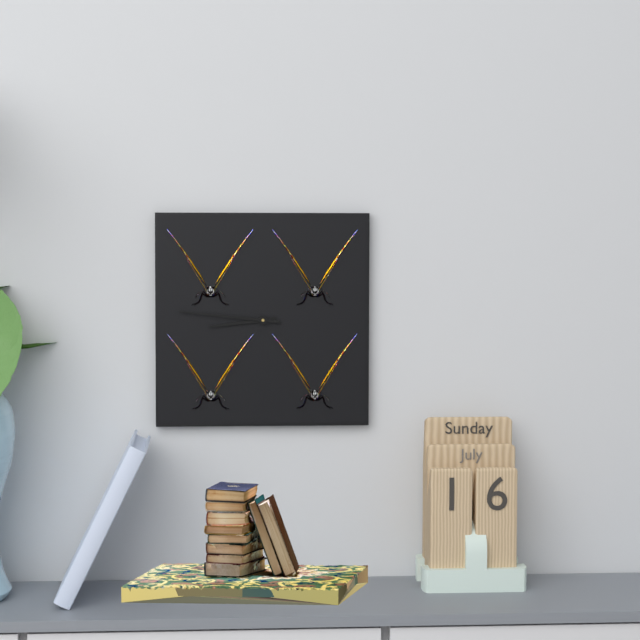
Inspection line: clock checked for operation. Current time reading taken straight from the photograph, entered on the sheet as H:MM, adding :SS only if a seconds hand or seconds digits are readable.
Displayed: 8:46
